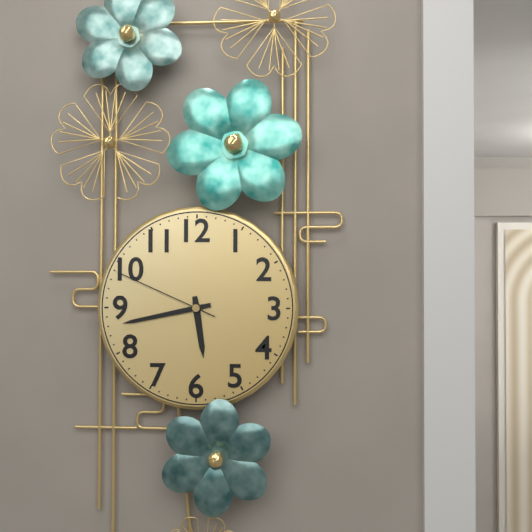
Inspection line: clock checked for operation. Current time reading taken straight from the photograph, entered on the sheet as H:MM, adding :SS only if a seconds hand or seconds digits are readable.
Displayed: 5:43:49
